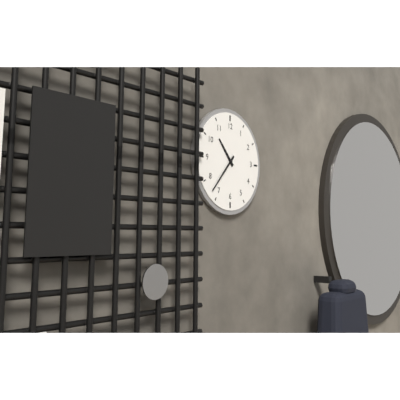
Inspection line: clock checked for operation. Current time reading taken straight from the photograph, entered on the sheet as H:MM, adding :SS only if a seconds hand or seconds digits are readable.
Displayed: 10:37
